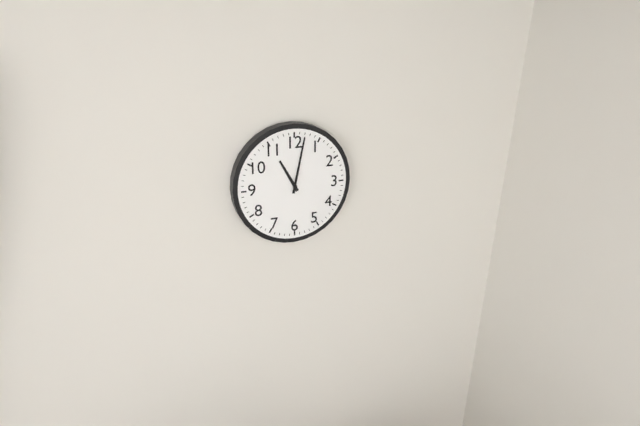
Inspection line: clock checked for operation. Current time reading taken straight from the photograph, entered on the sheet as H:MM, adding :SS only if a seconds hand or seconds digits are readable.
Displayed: 11:02
